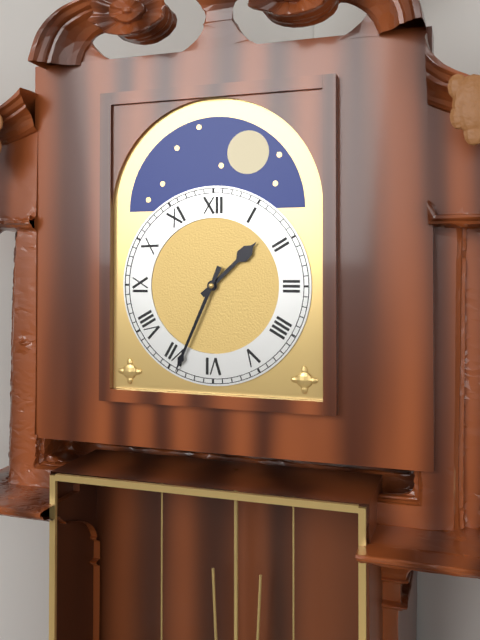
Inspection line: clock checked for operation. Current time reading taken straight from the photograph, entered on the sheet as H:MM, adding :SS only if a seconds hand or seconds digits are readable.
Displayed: 1:34
